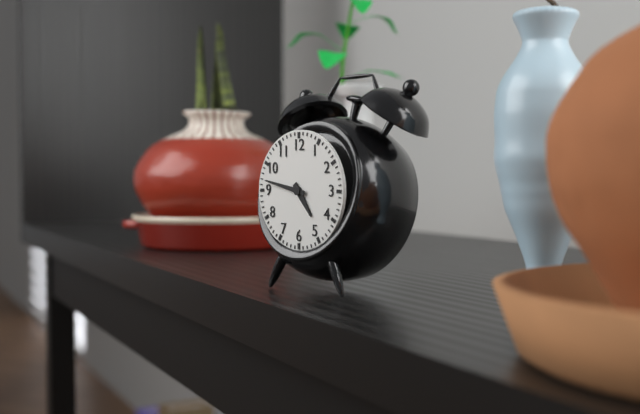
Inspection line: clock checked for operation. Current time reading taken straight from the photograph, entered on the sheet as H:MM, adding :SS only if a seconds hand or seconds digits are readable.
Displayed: 4:47
